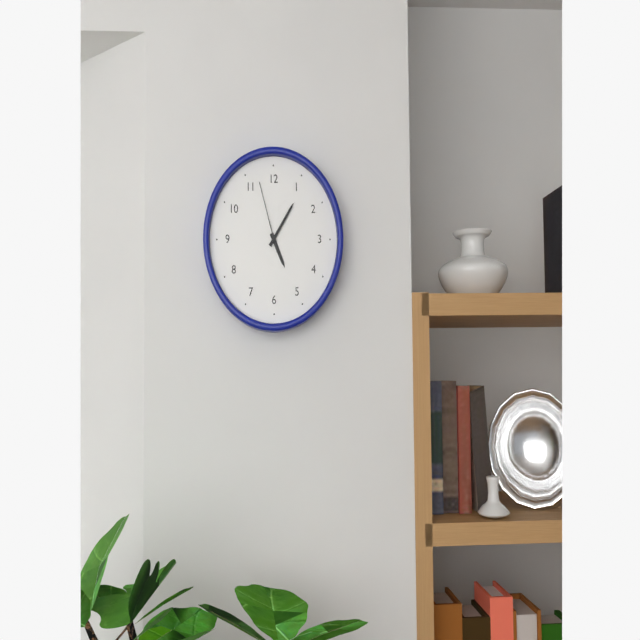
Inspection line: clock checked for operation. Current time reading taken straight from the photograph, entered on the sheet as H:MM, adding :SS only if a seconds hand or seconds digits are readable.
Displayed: 5:06:57
